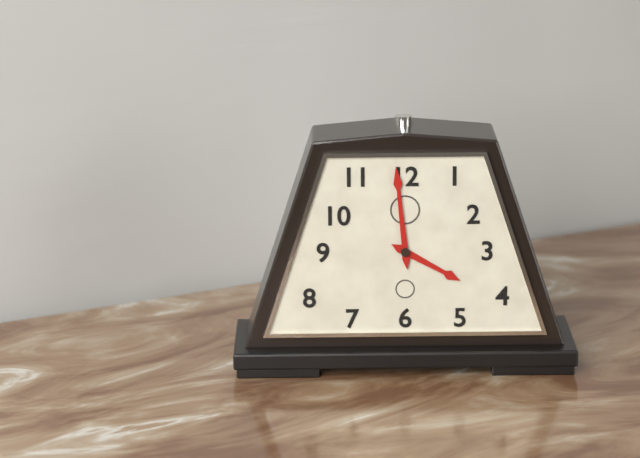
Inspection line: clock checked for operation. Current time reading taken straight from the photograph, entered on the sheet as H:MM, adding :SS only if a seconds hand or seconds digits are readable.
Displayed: 3:59
